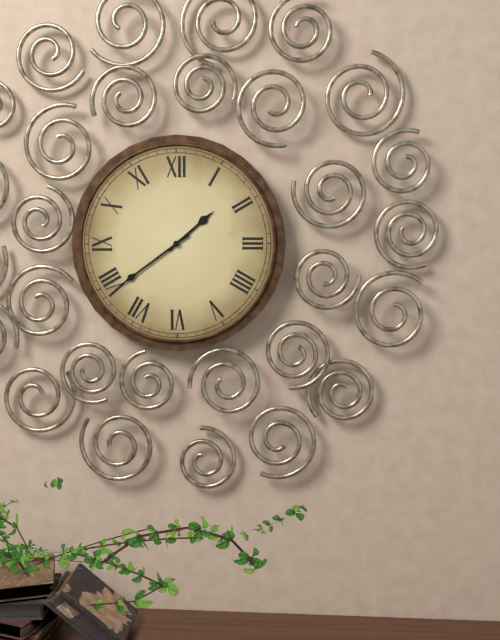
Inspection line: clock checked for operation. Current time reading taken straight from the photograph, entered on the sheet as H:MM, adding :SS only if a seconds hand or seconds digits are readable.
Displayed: 1:39
